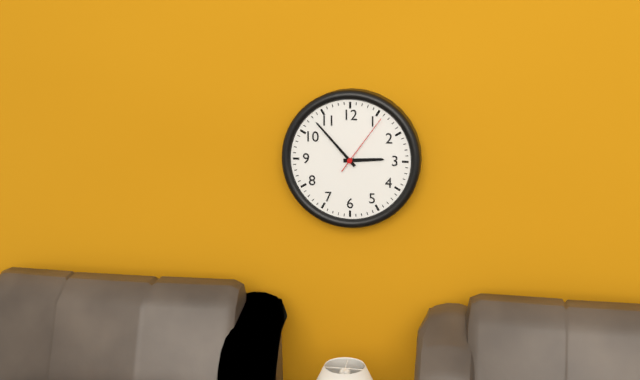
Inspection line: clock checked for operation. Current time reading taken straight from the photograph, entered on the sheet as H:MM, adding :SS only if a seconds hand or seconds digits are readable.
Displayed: 2:53:06
